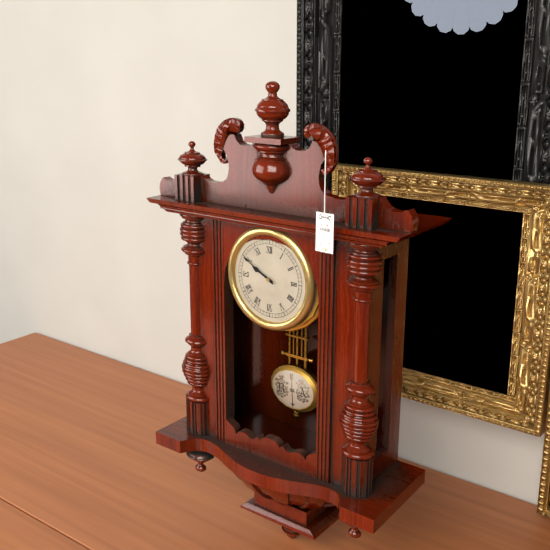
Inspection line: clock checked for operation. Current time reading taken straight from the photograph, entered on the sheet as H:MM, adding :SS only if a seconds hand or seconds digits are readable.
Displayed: 9:50
